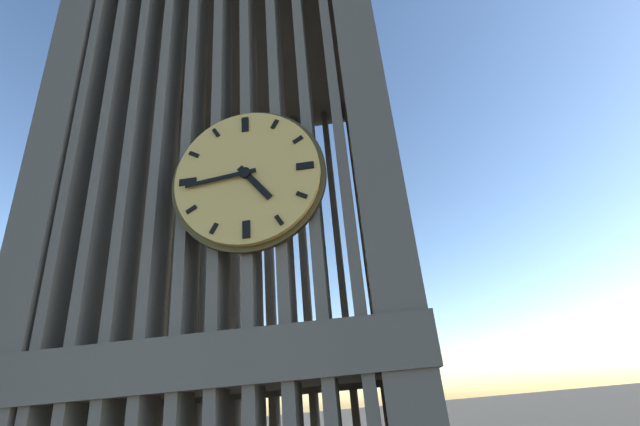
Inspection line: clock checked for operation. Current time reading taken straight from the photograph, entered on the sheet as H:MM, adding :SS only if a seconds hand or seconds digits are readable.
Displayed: 4:44
